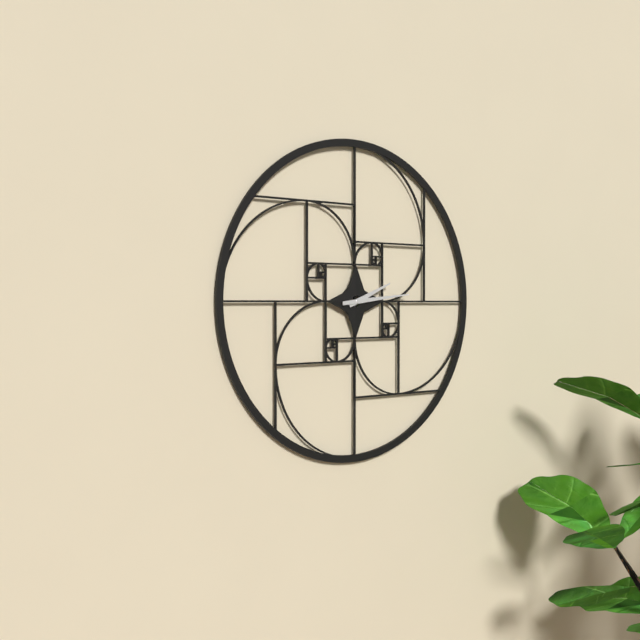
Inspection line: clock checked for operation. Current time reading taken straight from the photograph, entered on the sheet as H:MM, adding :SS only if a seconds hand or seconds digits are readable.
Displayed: 2:14
